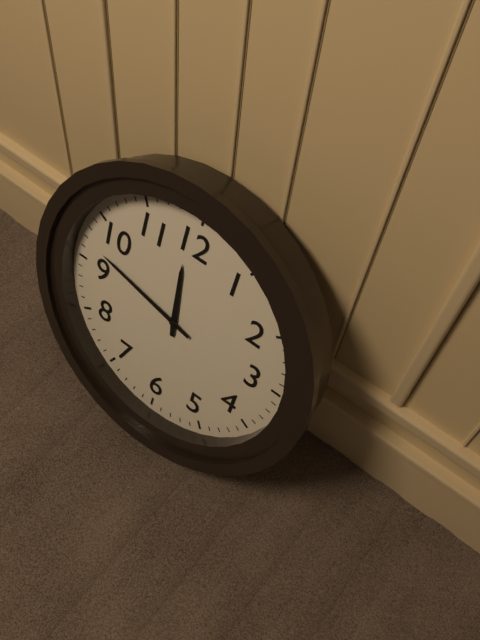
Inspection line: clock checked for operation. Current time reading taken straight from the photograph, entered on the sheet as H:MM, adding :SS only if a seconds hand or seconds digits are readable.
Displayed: 11:47
